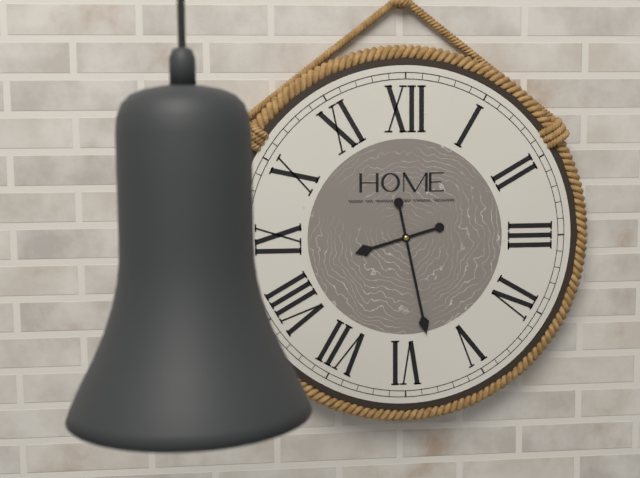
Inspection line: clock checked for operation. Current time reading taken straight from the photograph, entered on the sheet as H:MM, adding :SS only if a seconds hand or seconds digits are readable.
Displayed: 8:28
